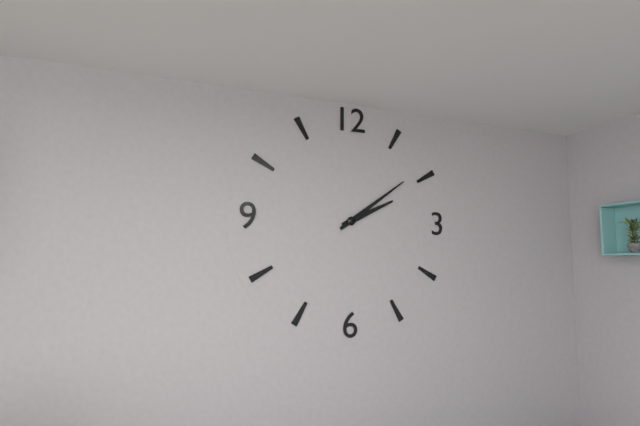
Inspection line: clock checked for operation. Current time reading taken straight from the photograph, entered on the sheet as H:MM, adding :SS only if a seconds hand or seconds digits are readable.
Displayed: 2:09
